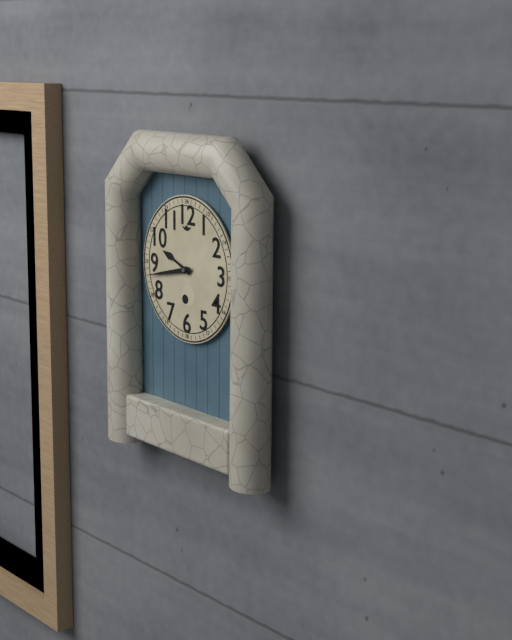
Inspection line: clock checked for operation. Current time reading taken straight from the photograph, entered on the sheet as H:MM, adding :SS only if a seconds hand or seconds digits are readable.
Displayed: 9:43
